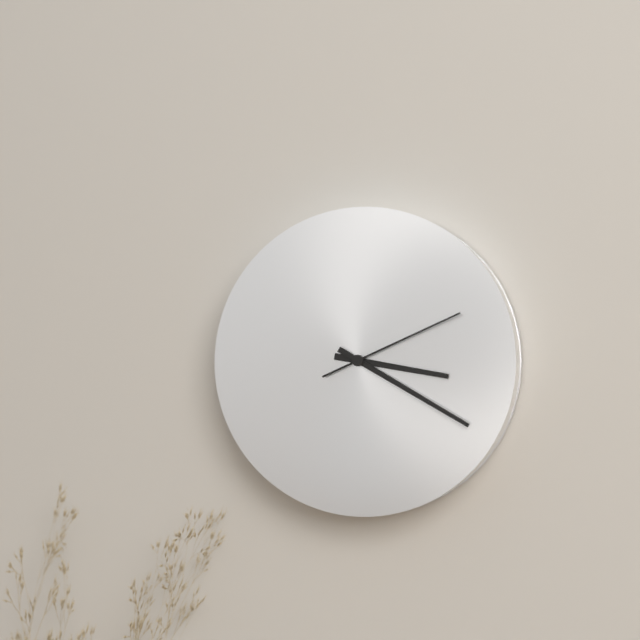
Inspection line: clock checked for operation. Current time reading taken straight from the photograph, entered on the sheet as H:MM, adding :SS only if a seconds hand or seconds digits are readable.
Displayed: 3:20:11
